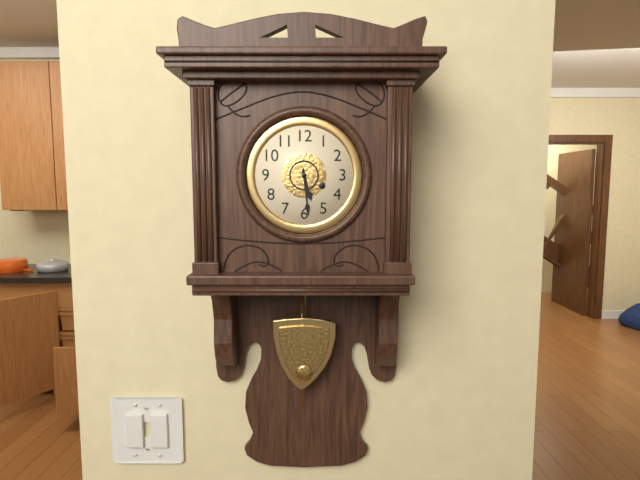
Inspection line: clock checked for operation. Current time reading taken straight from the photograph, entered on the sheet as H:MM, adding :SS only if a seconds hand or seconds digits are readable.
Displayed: 5:29
